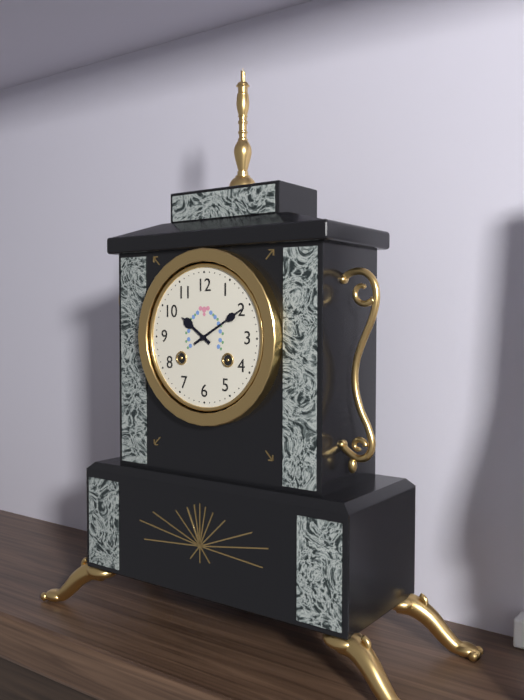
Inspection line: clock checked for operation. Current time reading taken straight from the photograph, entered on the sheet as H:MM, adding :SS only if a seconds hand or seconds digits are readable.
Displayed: 10:10
